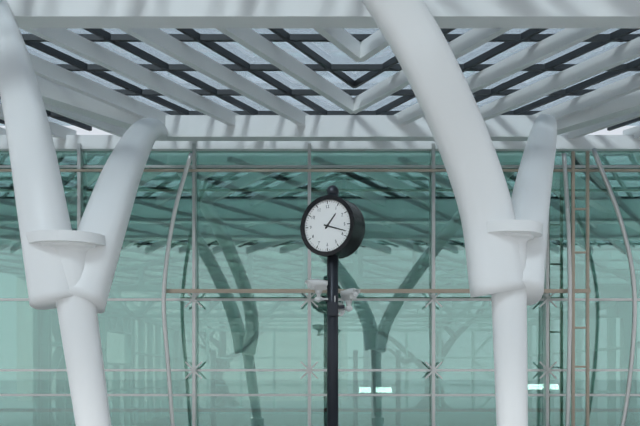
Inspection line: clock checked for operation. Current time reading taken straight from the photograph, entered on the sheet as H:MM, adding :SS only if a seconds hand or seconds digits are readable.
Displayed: 1:18
